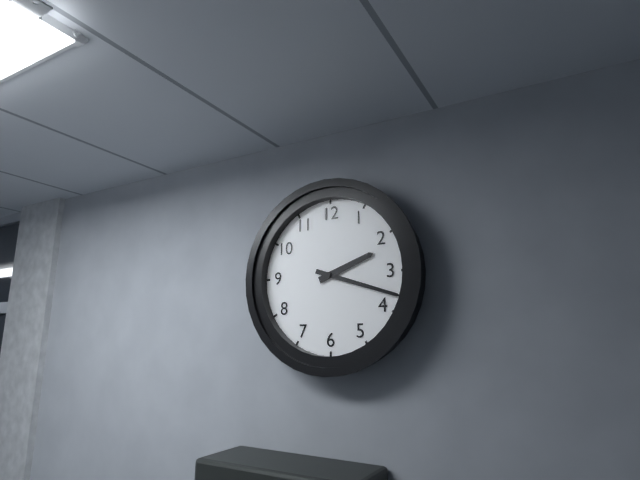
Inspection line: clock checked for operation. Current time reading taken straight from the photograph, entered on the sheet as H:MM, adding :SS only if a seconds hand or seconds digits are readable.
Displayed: 2:18
